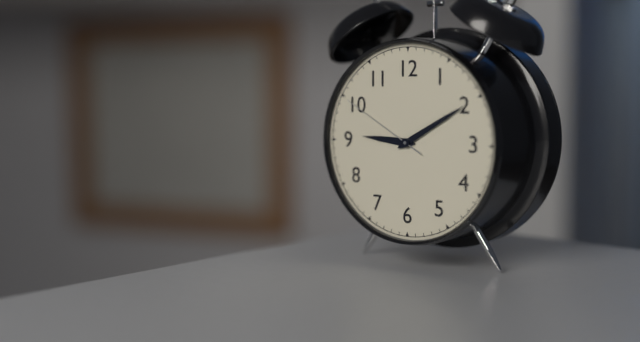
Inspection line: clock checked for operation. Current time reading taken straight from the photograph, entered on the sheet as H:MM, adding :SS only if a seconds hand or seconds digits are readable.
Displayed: 9:10:50
